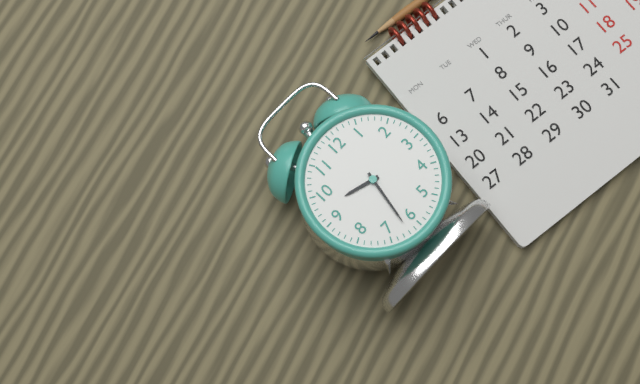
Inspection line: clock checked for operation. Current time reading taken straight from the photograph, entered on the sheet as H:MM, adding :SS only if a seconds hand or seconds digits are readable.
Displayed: 9:32
